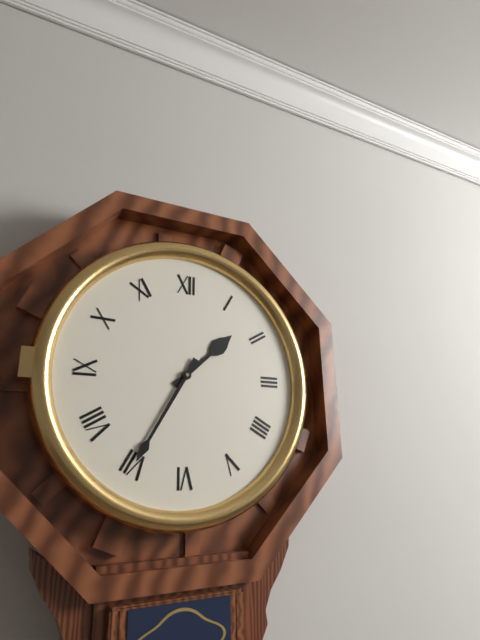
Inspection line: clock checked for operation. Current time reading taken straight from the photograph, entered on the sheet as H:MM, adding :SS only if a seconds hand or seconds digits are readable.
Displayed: 1:35
